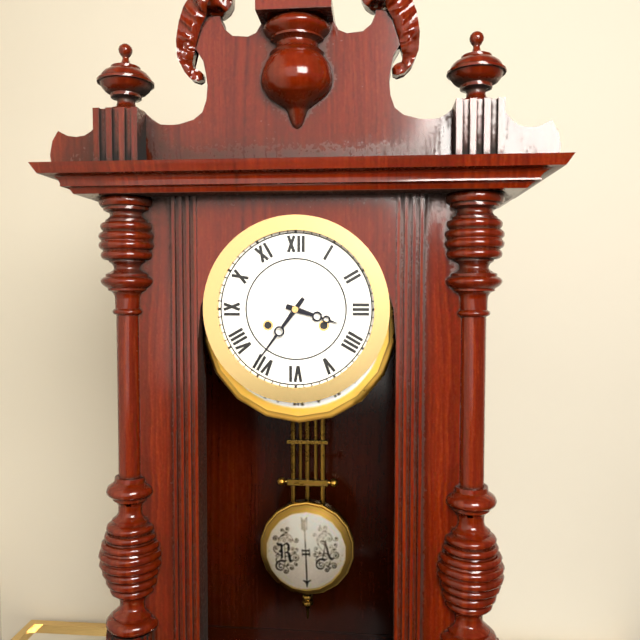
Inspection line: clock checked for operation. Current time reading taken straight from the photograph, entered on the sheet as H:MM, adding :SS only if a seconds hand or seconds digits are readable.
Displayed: 3:36
